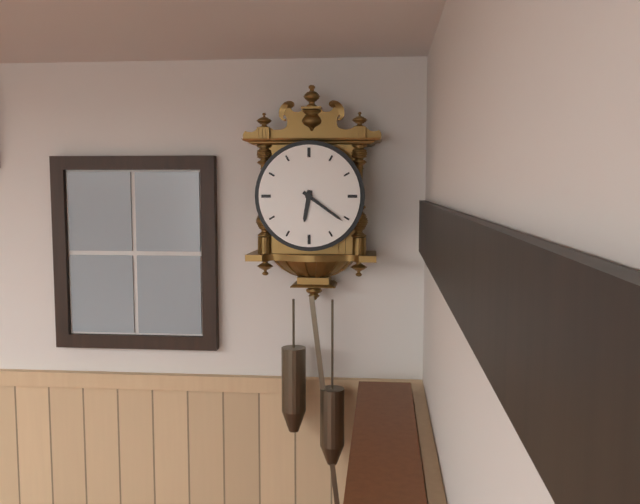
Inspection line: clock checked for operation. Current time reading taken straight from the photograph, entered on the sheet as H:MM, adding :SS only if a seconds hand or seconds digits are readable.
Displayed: 6:21
